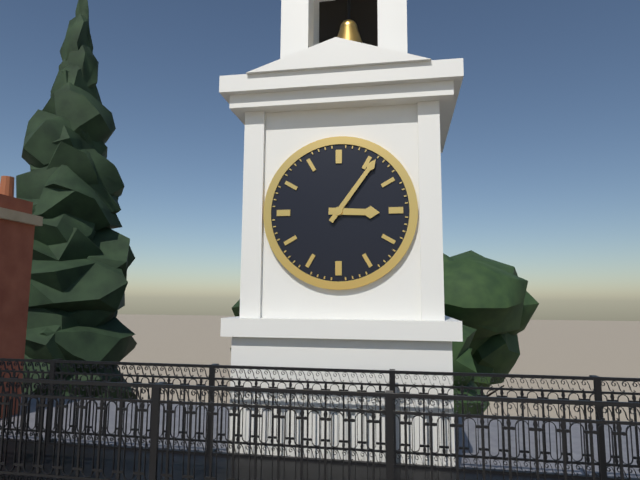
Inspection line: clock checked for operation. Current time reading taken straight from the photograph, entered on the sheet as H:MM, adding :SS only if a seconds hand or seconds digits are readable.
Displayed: 3:06
